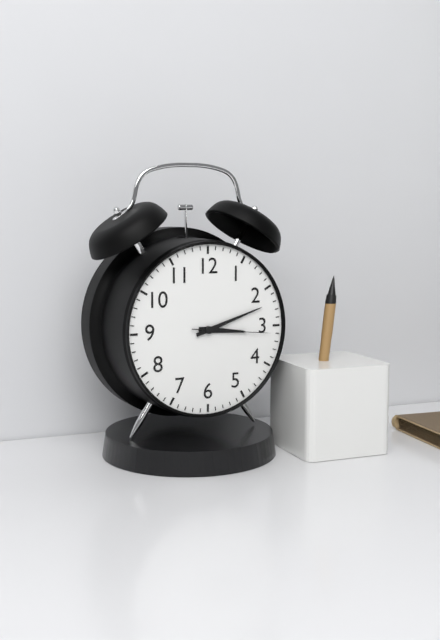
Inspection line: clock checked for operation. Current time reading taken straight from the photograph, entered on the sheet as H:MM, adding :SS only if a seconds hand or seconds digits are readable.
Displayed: 3:12:16
